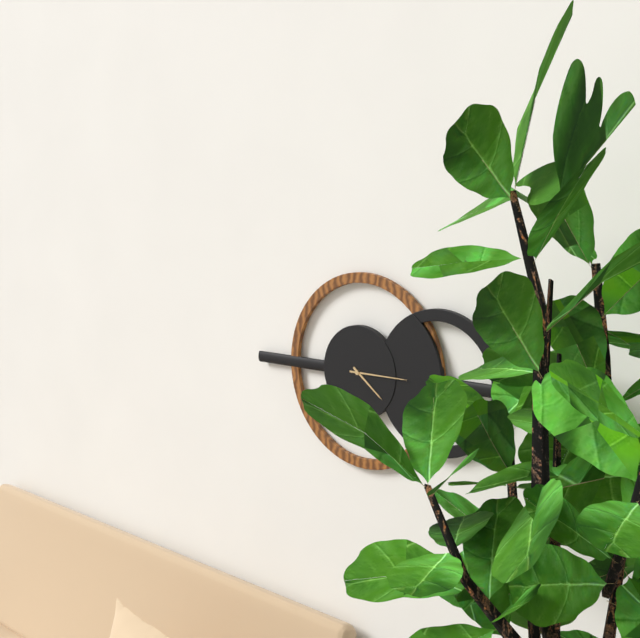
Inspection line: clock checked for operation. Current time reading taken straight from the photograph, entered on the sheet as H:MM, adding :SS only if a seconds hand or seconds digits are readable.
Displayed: 4:15
